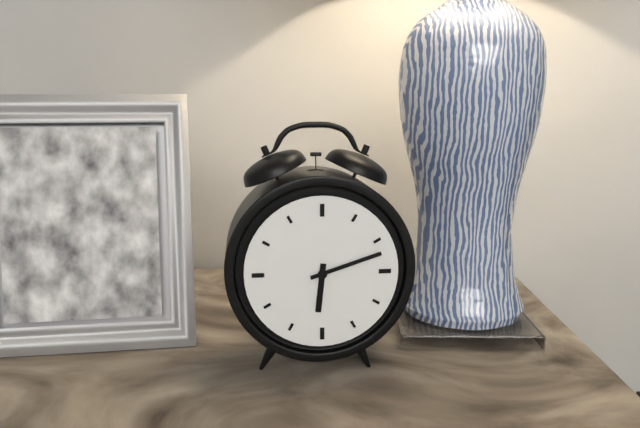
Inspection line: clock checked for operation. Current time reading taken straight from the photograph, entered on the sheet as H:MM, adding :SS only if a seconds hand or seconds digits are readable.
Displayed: 6:12
